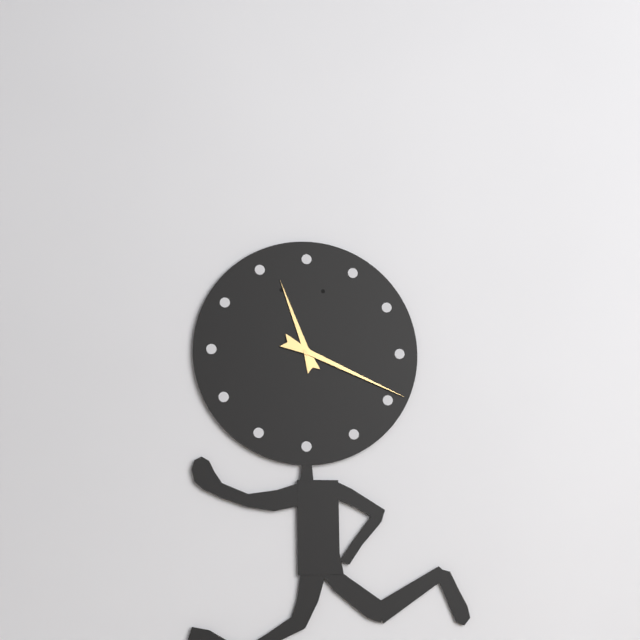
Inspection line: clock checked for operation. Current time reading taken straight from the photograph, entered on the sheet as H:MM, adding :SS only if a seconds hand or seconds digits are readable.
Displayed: 11:19
